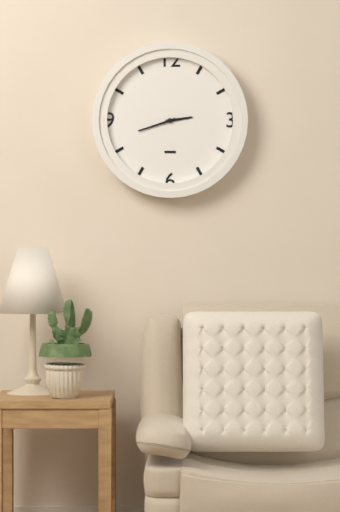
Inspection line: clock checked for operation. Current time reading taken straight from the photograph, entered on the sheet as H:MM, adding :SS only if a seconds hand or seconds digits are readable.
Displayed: 2:42
